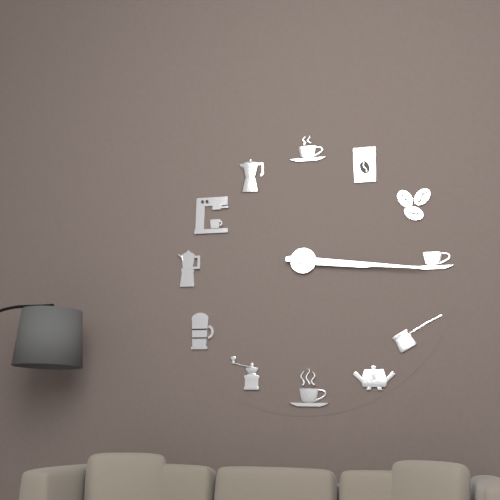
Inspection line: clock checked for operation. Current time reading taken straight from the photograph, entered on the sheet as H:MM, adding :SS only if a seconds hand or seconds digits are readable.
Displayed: 3:16
